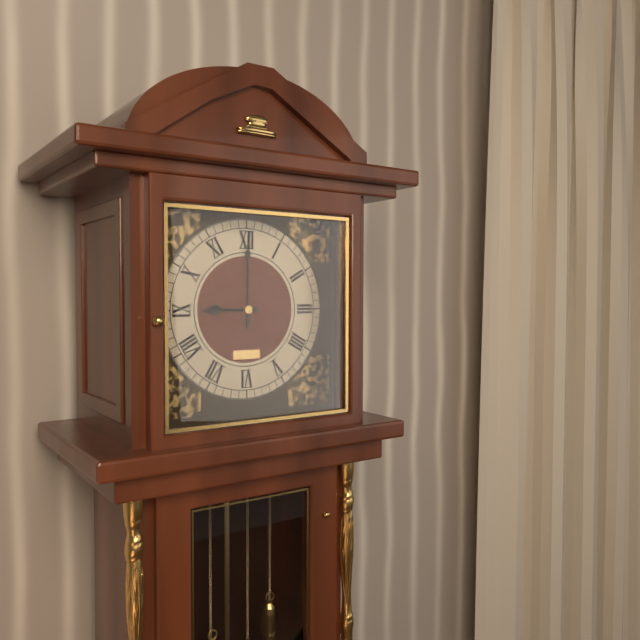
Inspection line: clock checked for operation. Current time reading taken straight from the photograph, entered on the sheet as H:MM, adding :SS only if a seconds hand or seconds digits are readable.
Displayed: 9:00
